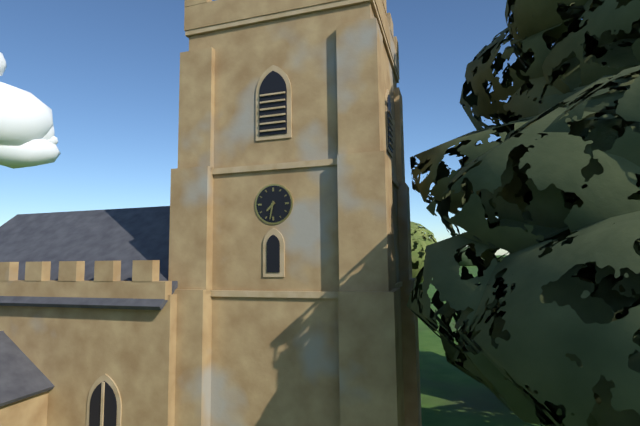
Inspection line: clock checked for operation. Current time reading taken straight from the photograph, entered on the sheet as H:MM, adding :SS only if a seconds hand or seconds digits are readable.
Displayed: 7:32
